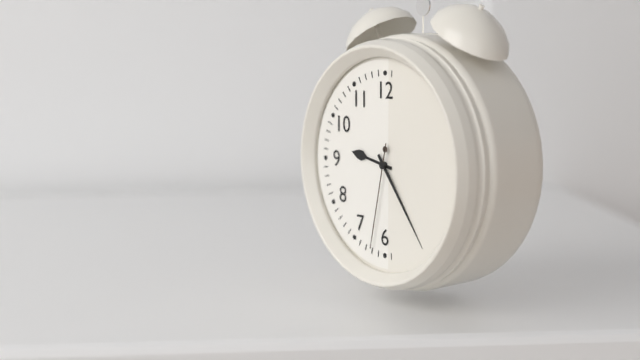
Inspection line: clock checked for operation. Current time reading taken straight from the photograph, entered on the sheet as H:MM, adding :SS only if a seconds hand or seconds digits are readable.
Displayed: 9:24:32
